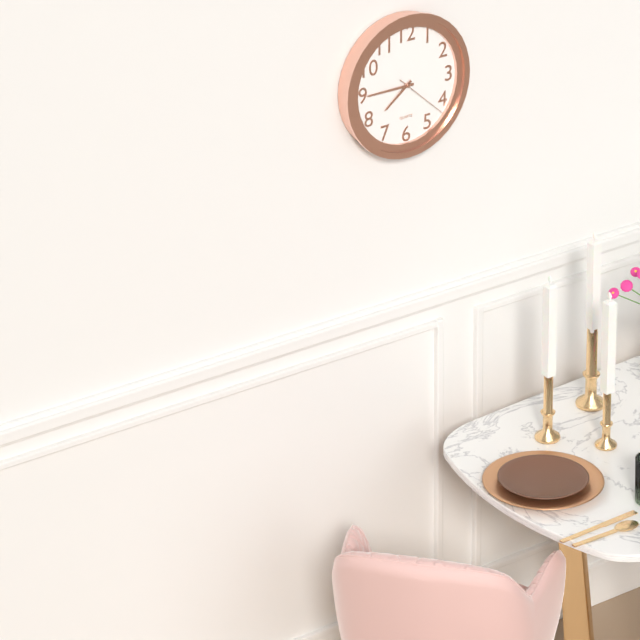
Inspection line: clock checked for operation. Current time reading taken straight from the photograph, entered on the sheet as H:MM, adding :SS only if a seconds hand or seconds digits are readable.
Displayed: 7:45:22
